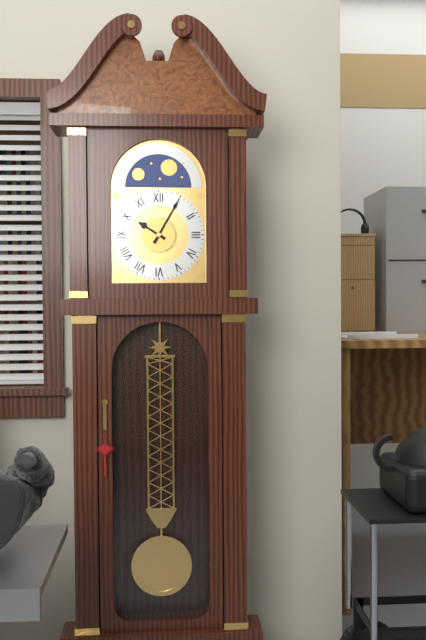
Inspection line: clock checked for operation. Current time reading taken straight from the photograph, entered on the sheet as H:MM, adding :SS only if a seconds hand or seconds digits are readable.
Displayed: 10:05
